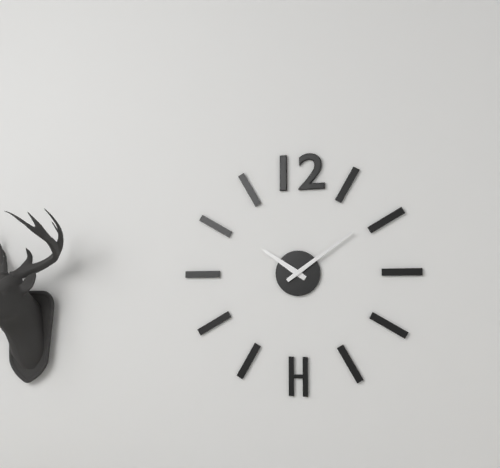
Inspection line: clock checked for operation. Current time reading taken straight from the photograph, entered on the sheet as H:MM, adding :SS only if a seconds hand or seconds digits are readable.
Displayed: 10:09
